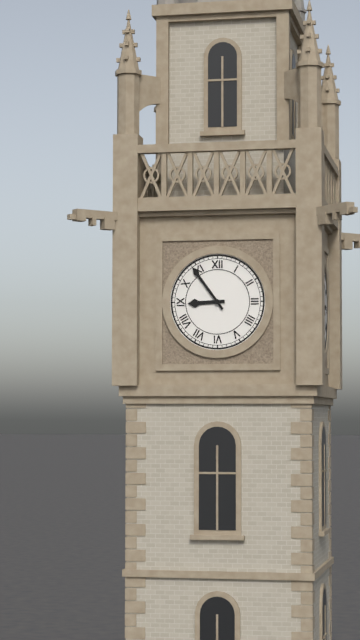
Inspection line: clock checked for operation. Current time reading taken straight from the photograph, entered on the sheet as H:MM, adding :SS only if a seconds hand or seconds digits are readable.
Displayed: 8:54
